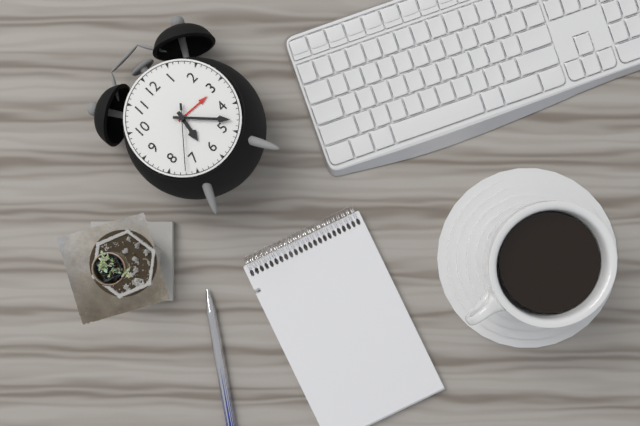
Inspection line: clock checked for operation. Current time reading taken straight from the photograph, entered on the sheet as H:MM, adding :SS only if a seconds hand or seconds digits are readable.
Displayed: 6:23:37
